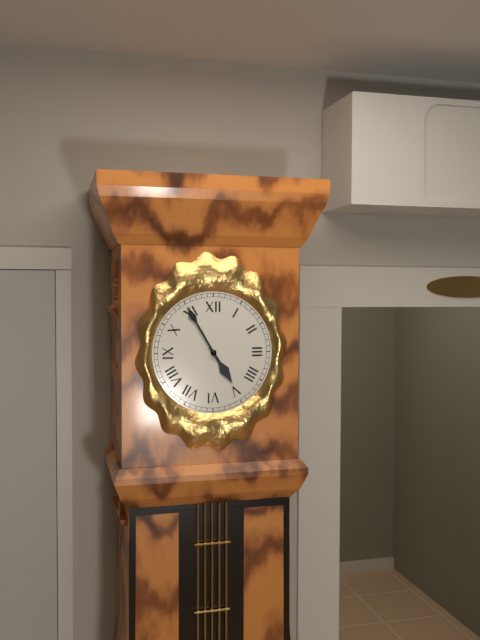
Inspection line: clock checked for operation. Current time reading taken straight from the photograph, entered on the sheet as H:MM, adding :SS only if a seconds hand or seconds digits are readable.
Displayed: 4:55
